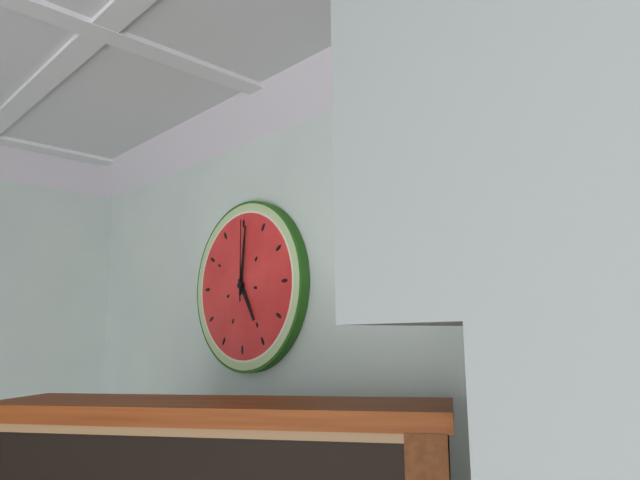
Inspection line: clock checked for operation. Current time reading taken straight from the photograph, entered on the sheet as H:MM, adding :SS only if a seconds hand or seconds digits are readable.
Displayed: 5:01:00
